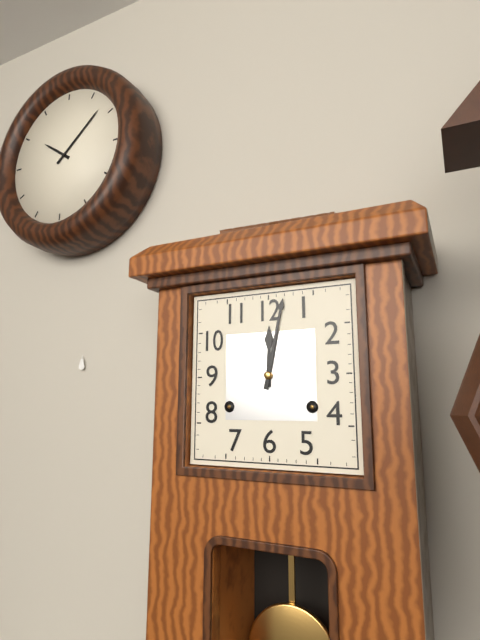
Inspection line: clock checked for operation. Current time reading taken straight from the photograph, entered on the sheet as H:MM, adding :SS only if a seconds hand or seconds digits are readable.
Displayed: 12:02
